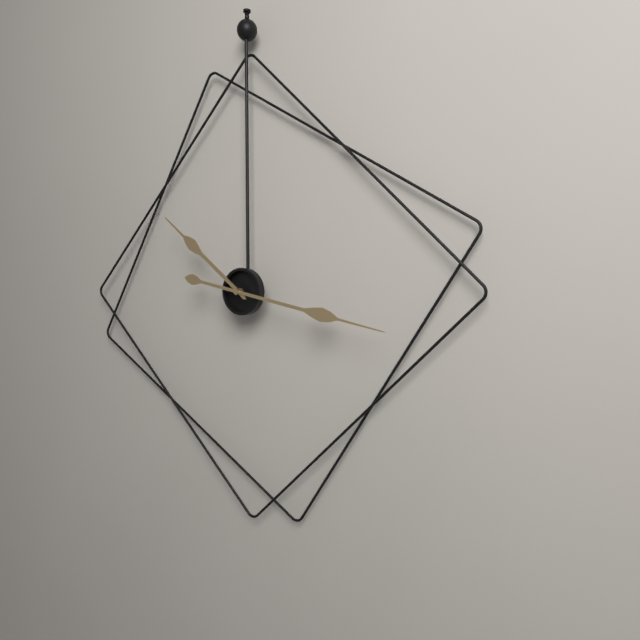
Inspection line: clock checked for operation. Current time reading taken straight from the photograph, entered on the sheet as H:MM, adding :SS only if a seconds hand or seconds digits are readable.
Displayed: 10:17
